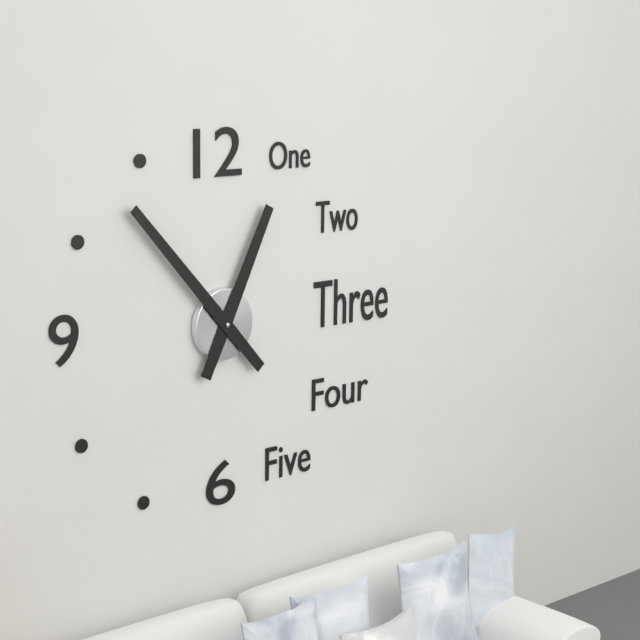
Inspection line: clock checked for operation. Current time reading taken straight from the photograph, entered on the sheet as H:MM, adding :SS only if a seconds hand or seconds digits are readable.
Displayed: 12:53
